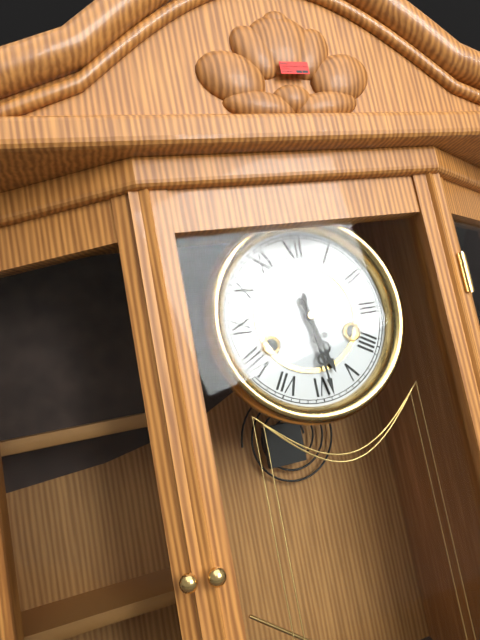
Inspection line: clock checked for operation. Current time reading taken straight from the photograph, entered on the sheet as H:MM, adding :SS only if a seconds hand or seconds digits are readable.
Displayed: 5:29
